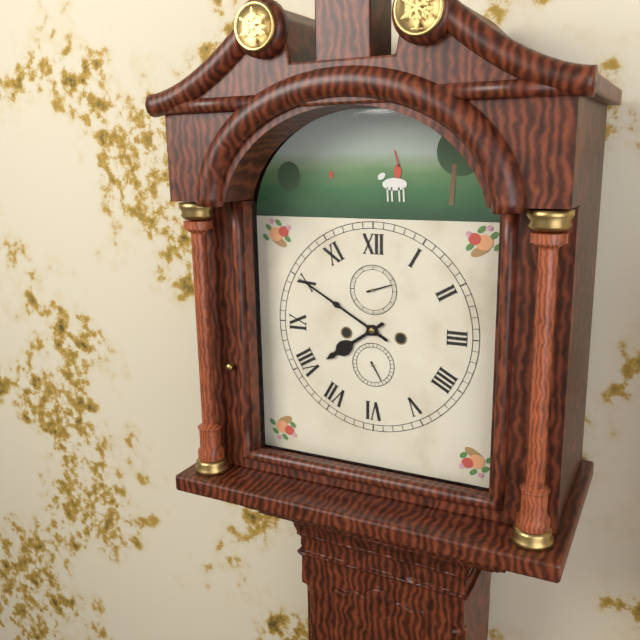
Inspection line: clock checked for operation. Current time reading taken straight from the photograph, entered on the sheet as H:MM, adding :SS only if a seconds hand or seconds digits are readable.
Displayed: 7:50
